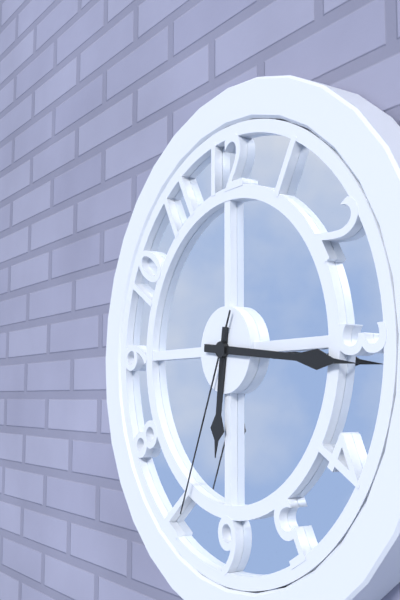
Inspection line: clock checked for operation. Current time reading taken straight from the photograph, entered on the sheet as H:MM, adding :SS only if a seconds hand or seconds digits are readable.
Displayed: 6:16:34
